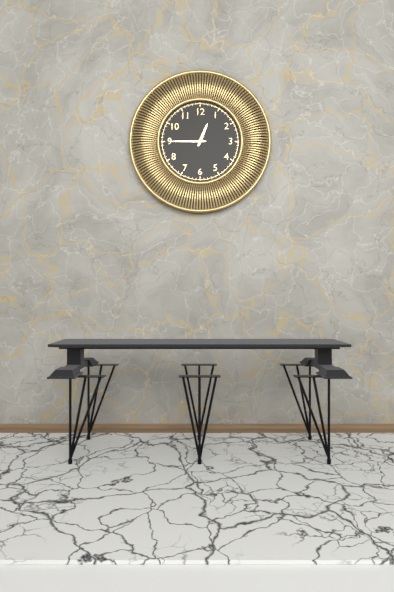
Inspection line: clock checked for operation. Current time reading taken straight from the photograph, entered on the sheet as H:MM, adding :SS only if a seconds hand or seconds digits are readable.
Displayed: 12:45
